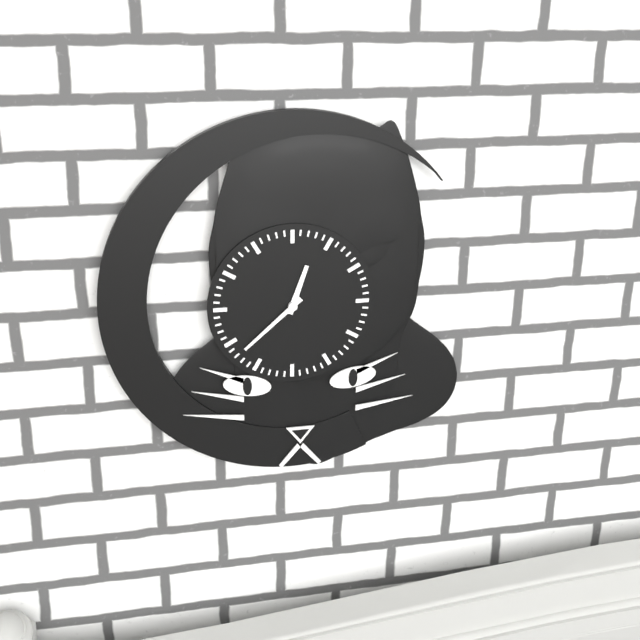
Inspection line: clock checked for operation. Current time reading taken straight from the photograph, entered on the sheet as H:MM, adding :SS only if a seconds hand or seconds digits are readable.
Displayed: 12:38
